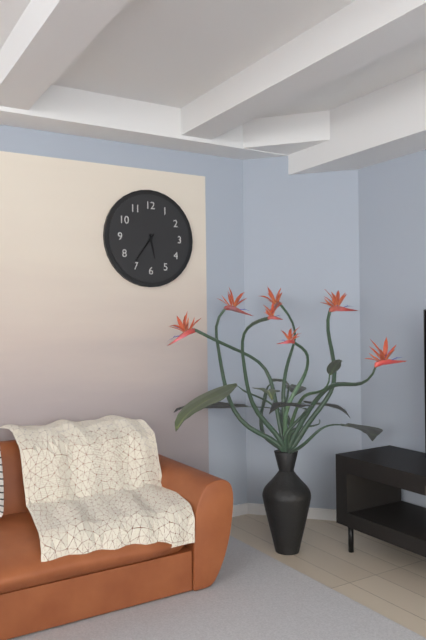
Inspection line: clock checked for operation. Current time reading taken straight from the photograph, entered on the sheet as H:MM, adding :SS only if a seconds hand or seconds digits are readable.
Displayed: 5:36
